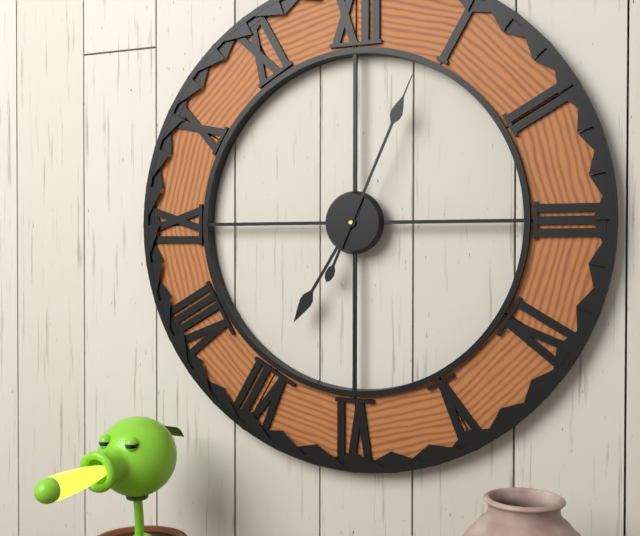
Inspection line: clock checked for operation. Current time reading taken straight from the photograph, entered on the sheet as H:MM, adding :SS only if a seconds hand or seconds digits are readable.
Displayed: 7:04
